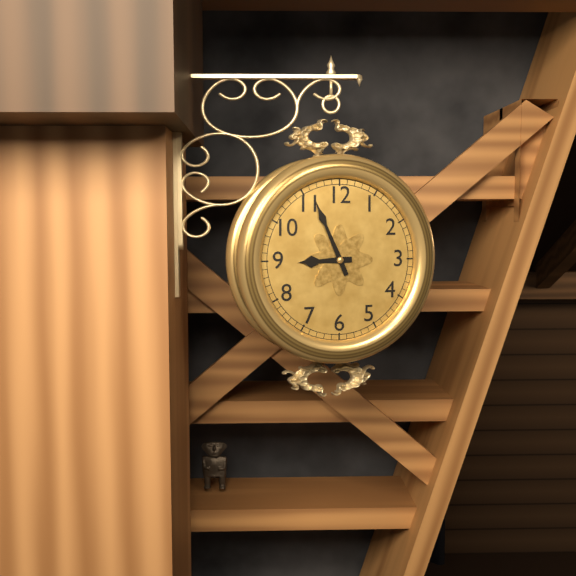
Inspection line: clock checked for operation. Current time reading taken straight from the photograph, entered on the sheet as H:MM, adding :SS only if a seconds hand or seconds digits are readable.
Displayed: 8:56
